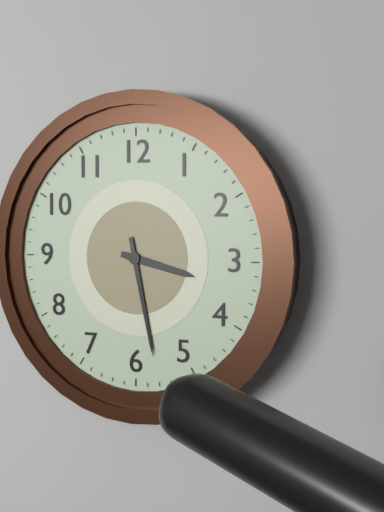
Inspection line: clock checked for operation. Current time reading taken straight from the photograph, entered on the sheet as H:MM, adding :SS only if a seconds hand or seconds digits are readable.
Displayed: 3:28
